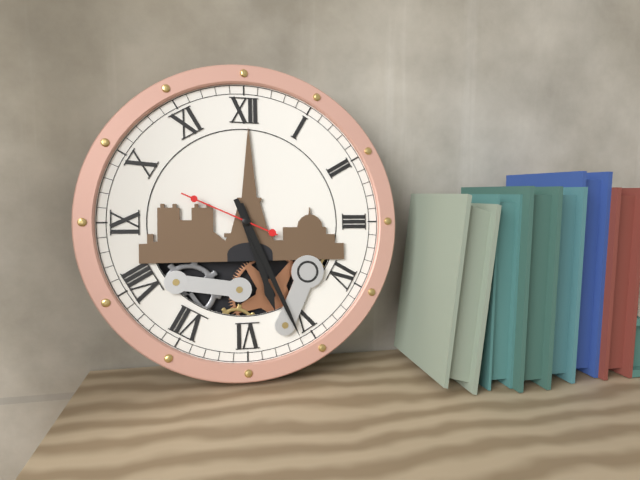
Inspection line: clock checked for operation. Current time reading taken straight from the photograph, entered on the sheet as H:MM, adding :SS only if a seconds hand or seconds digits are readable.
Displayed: 5:26:49
